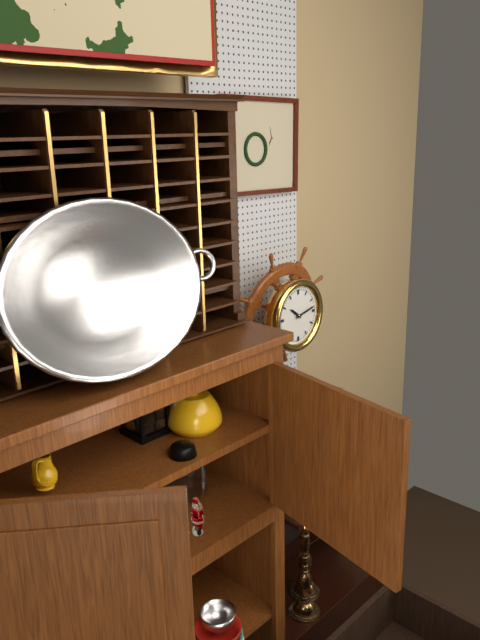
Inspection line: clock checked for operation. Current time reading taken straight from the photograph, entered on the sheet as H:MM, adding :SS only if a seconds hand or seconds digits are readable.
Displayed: 10:13
